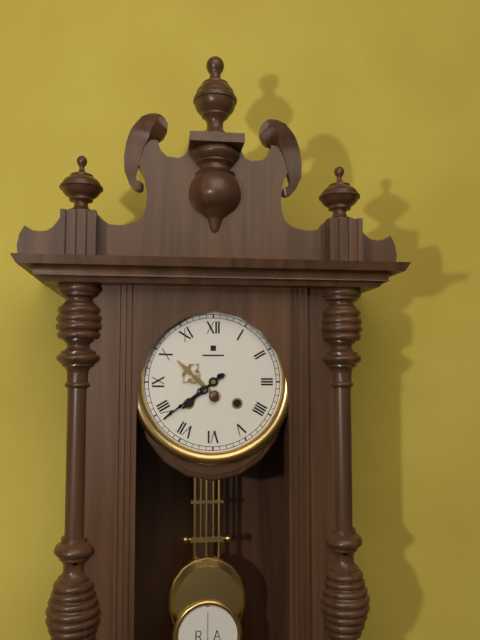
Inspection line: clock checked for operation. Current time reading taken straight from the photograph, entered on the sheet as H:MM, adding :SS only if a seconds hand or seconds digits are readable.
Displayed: 7:39
